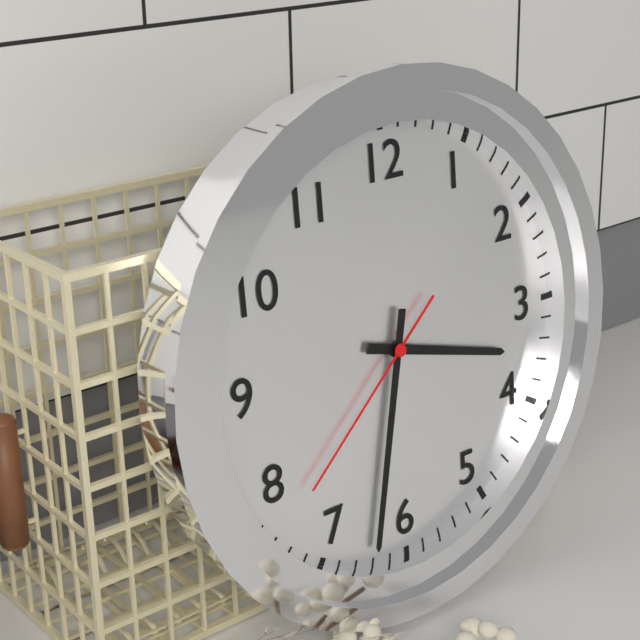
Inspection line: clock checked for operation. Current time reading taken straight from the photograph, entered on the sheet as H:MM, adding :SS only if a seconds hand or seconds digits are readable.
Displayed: 3:32:38
